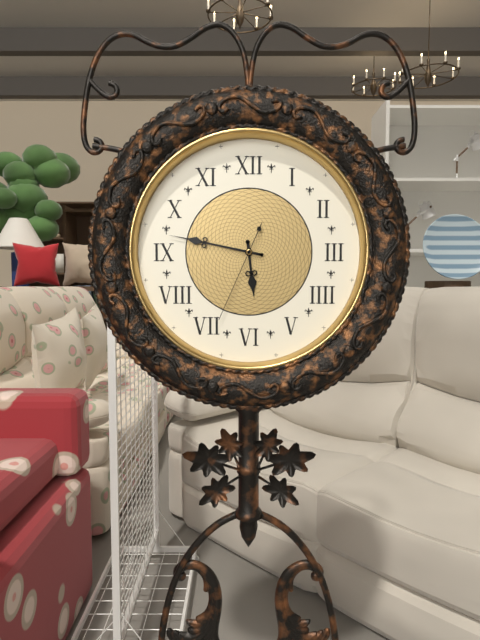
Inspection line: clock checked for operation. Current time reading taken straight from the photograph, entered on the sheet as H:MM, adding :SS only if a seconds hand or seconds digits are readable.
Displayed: 5:47:34
